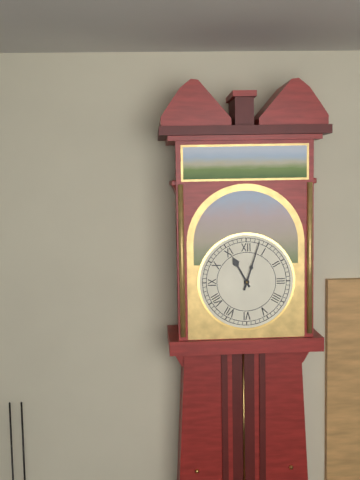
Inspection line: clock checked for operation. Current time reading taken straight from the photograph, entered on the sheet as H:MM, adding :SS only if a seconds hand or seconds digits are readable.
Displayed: 11:03
